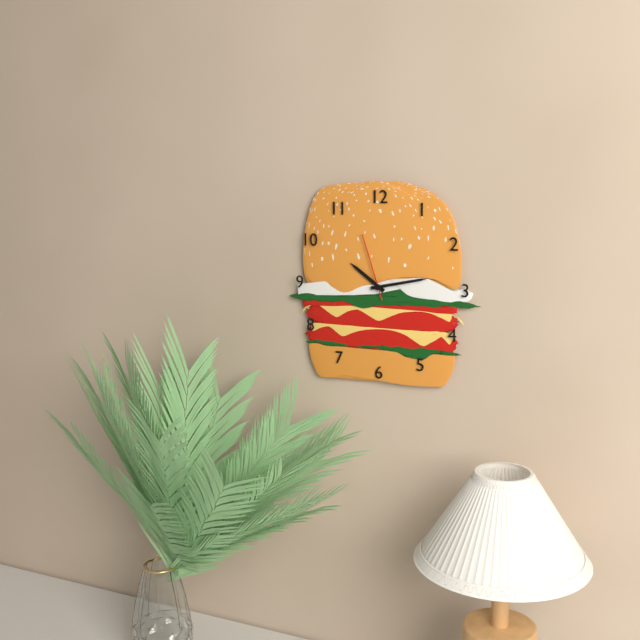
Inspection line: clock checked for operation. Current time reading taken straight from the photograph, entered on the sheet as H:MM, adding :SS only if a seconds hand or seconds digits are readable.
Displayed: 10:13:57
